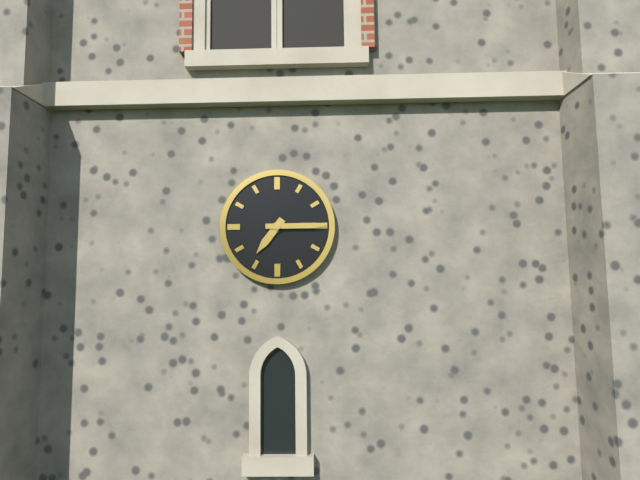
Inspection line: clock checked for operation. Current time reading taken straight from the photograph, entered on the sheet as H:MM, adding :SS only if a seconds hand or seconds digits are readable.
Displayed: 7:15
